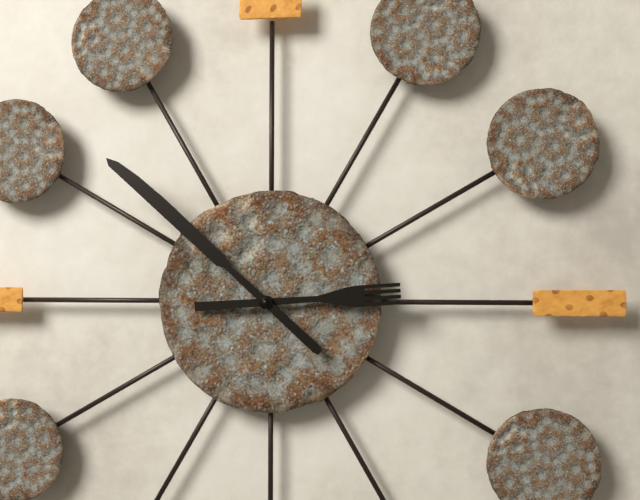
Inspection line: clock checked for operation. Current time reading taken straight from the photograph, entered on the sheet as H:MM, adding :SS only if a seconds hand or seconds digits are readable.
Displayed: 2:52
